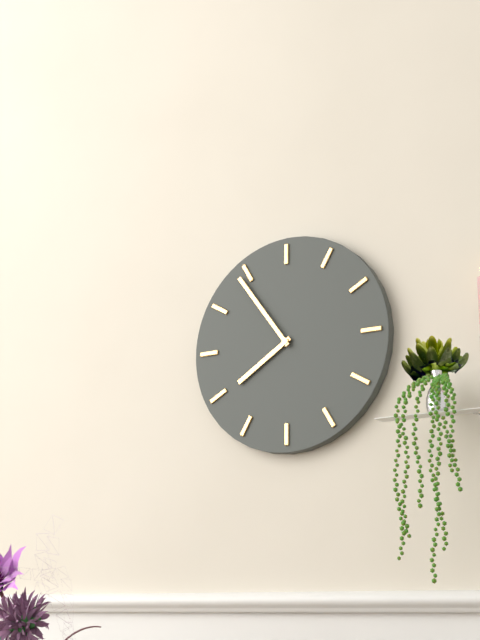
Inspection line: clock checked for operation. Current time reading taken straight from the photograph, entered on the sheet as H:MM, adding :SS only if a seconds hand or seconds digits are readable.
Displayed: 7:54
